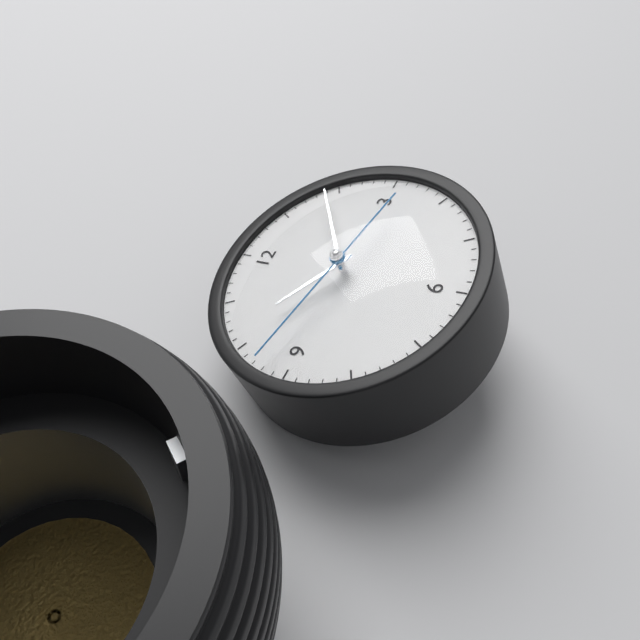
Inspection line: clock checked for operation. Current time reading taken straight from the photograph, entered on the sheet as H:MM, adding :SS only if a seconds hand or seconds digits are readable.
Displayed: 10:09:47
